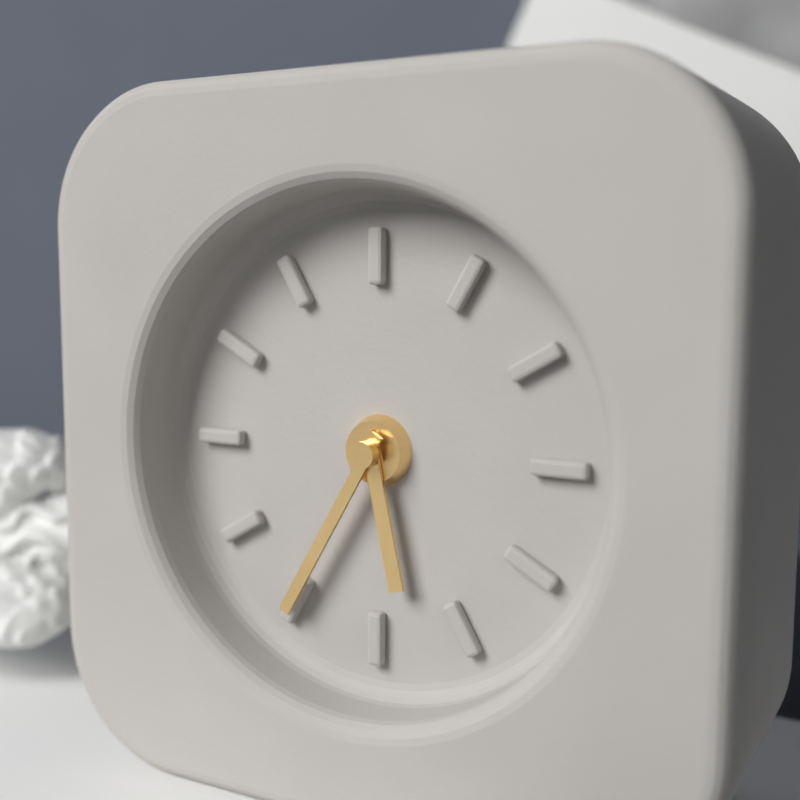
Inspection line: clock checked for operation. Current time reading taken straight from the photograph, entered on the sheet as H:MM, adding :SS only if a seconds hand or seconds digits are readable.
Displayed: 5:35
